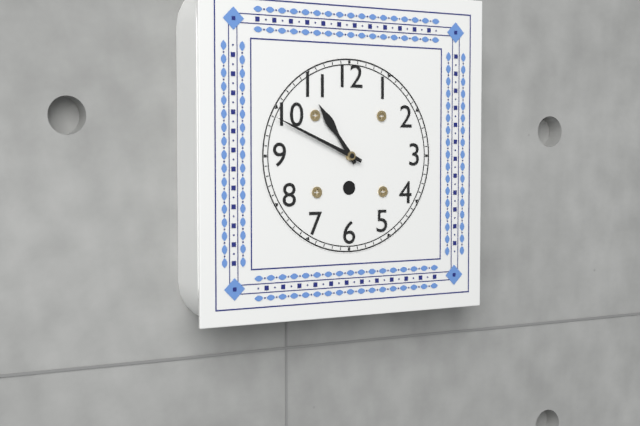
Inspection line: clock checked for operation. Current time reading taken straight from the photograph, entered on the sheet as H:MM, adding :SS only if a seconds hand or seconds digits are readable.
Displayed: 10:49
